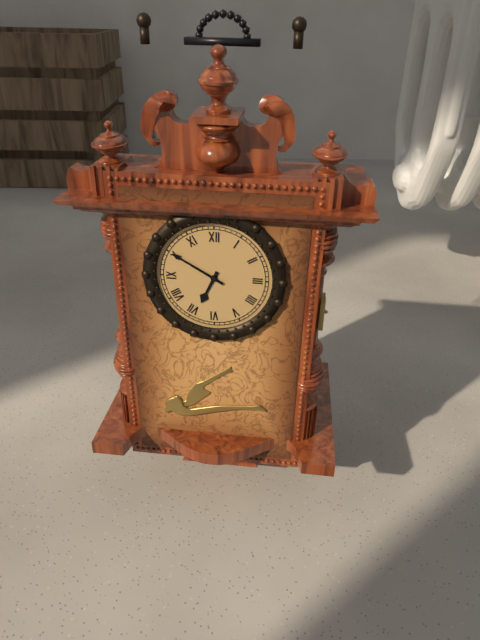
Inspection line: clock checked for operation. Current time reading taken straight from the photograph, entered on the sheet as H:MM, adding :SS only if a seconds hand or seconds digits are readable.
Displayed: 6:50
